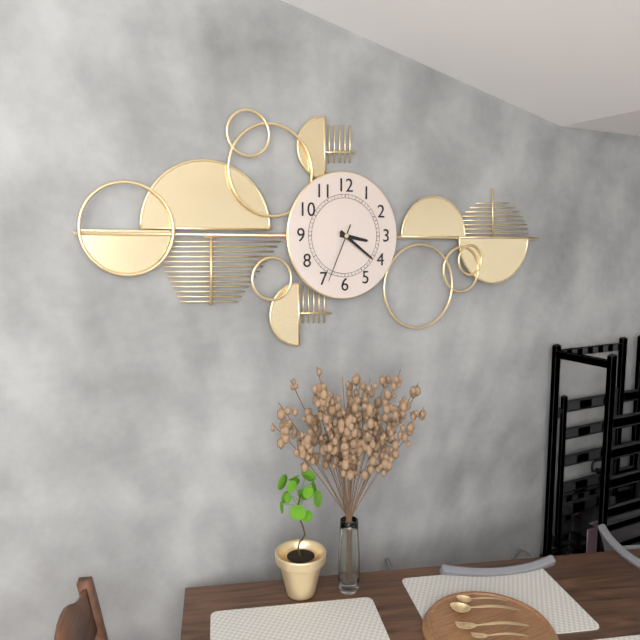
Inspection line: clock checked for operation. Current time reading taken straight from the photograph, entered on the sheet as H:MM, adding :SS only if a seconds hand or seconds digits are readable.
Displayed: 3:21:34
